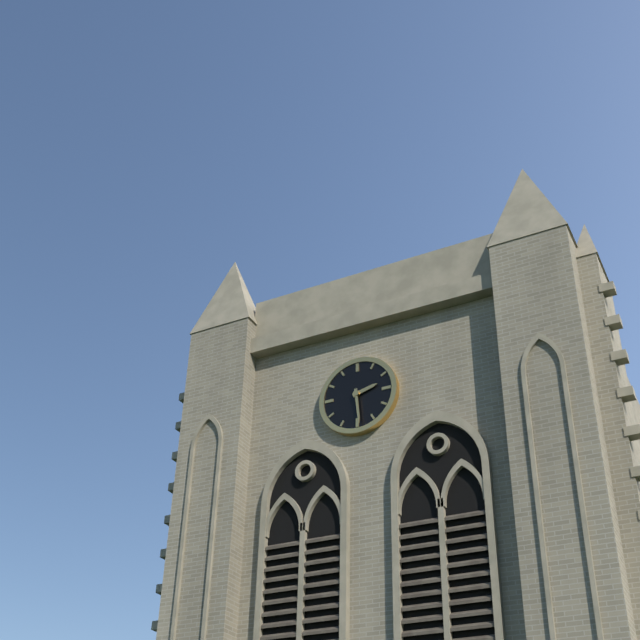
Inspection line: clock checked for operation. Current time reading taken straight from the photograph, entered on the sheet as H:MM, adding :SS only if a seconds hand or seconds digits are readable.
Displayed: 2:29
